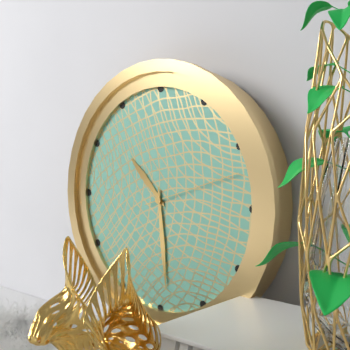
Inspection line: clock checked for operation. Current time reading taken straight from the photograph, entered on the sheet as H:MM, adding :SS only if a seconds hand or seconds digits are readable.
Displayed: 10:29:12
